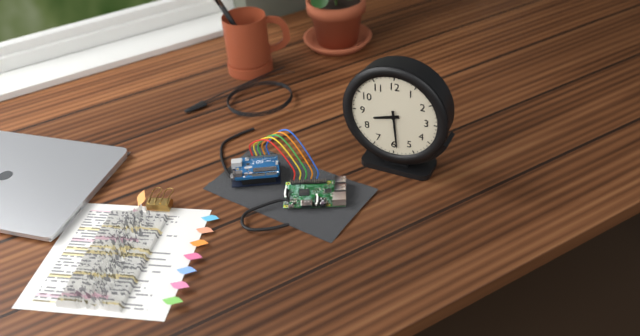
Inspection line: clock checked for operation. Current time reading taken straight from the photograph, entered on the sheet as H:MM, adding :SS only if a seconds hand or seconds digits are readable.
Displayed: 8:29
